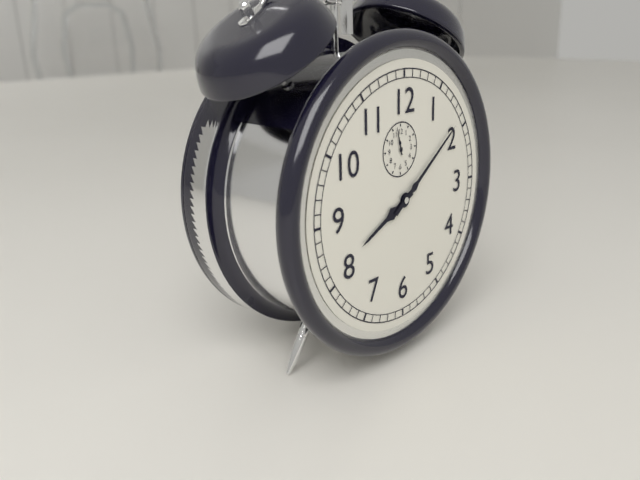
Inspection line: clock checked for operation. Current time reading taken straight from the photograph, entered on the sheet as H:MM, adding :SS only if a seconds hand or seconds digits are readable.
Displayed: 8:09
